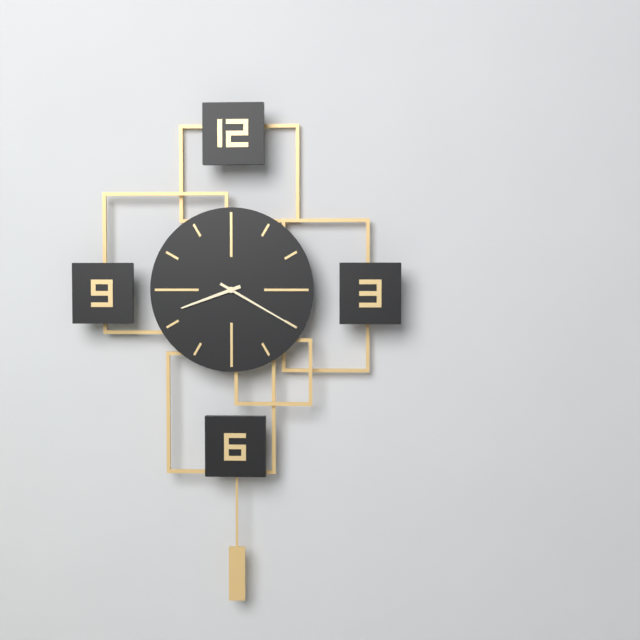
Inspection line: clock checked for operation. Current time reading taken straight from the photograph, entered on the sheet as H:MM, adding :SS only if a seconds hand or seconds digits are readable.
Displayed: 8:20
